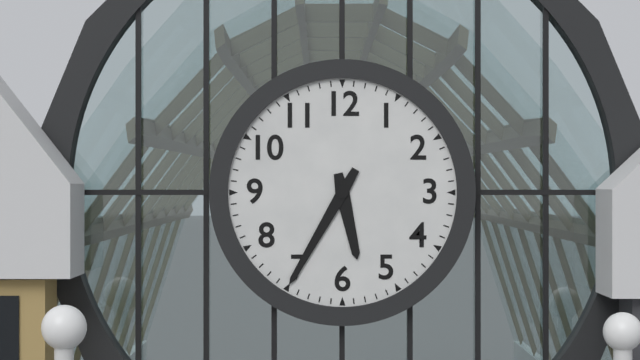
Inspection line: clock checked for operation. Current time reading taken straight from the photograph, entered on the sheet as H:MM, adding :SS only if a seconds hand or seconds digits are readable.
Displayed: 5:35
